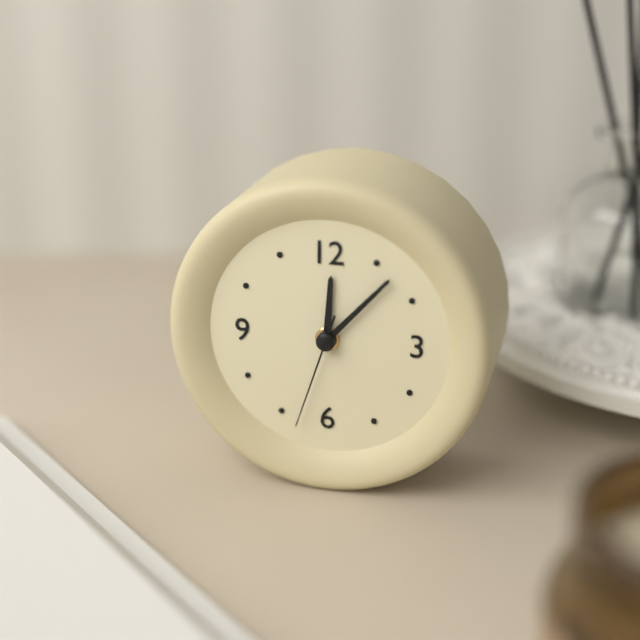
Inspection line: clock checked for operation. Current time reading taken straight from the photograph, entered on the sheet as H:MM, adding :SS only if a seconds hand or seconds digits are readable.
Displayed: 12:07:33
